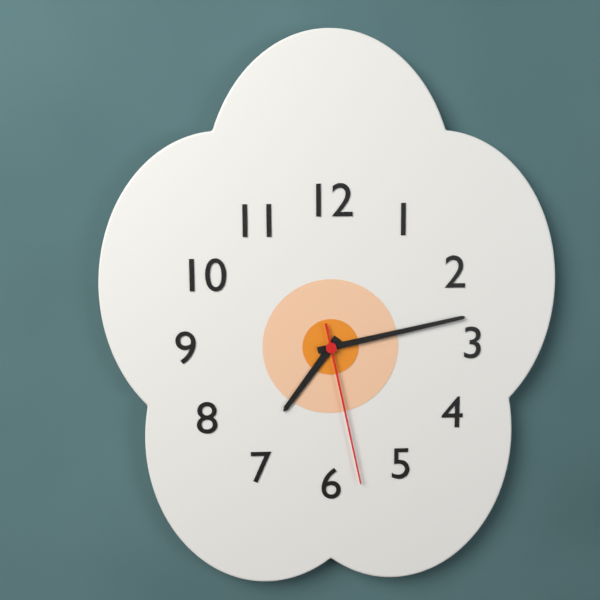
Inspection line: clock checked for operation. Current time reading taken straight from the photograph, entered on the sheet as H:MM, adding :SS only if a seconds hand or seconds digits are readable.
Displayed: 7:13:28
